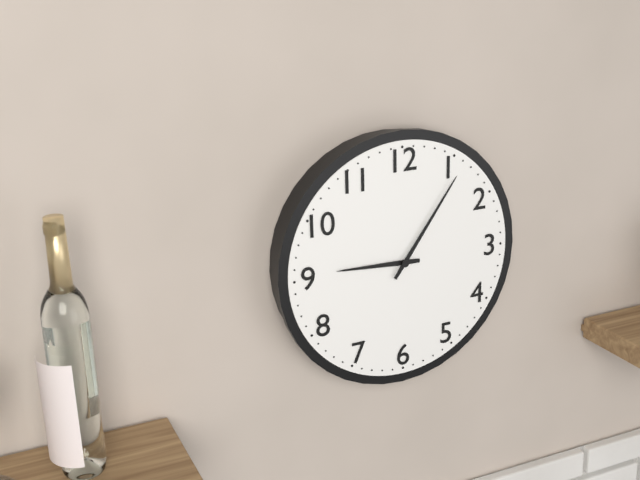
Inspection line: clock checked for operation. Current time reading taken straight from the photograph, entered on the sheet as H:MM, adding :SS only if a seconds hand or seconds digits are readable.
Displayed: 9:06
